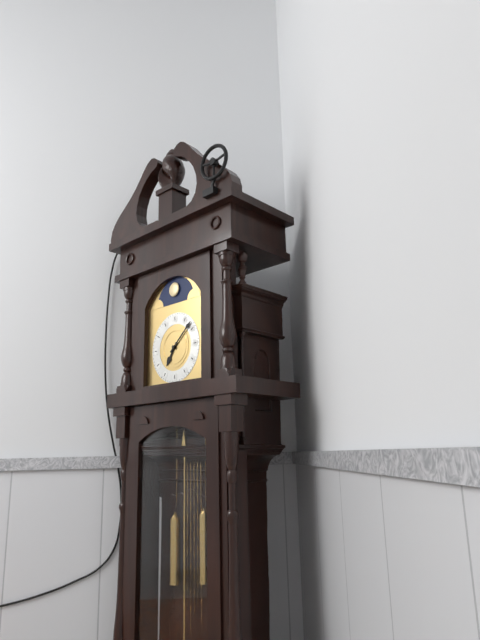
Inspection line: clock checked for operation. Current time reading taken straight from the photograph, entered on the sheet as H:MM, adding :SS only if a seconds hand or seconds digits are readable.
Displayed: 7:08
